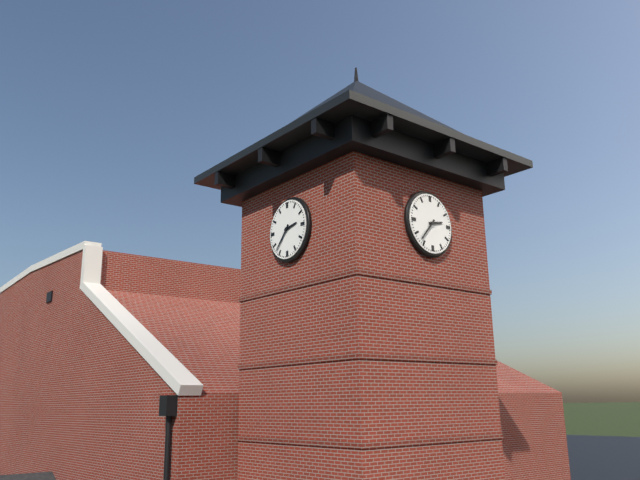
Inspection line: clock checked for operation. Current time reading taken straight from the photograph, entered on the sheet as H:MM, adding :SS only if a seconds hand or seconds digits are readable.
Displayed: 2:37
